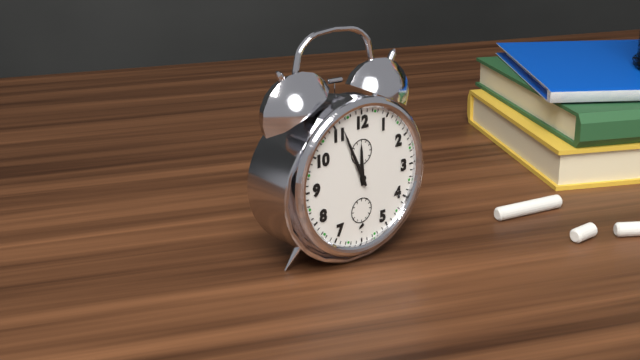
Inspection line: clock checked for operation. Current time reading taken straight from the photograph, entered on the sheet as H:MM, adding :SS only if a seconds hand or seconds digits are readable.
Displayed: 11:56
